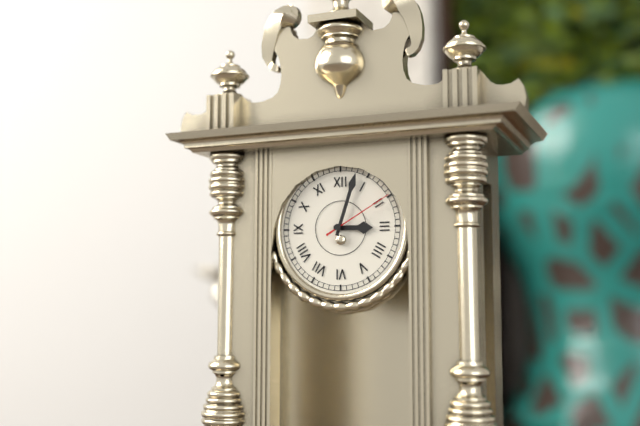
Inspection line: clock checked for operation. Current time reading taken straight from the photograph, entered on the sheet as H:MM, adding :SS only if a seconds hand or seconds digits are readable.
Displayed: 3:03:10
